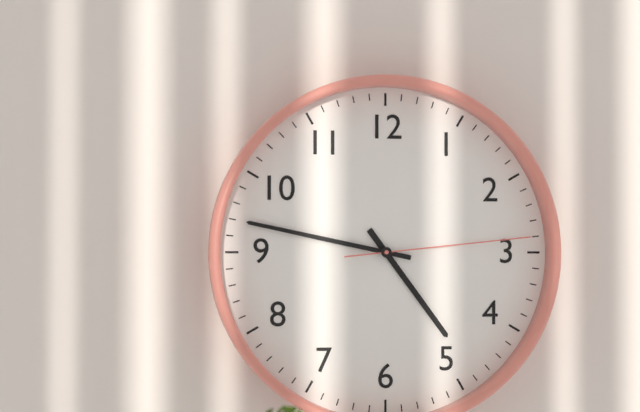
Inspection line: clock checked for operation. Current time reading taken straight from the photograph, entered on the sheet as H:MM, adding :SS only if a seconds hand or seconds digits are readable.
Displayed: 4:47:14
